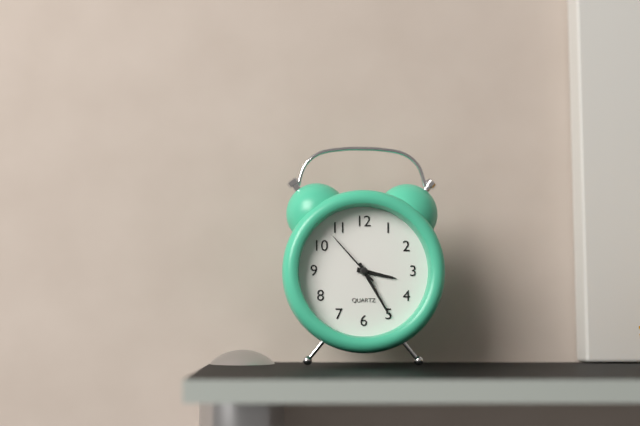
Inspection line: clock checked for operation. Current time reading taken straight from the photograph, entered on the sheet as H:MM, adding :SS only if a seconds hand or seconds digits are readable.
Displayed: 3:25:53
